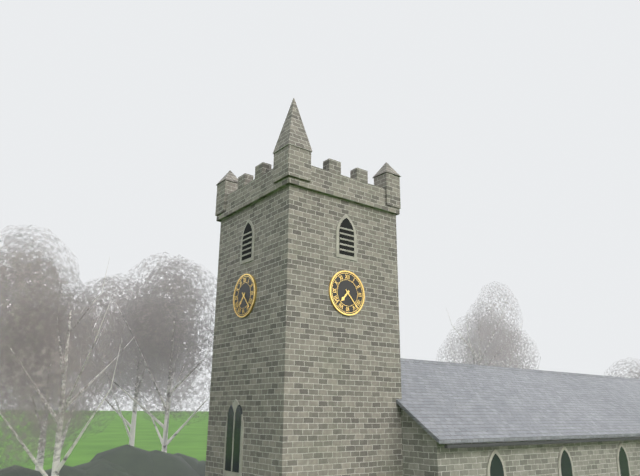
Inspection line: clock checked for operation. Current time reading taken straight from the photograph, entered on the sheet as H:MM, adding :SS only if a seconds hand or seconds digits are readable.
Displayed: 7:23
